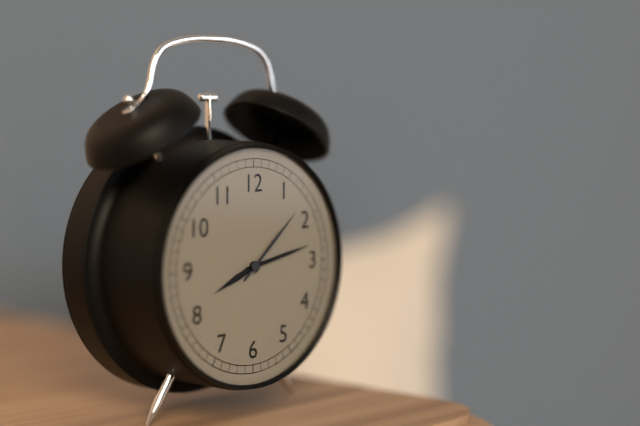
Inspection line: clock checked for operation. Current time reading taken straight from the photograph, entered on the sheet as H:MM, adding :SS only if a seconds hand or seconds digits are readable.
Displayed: 8:13:08
